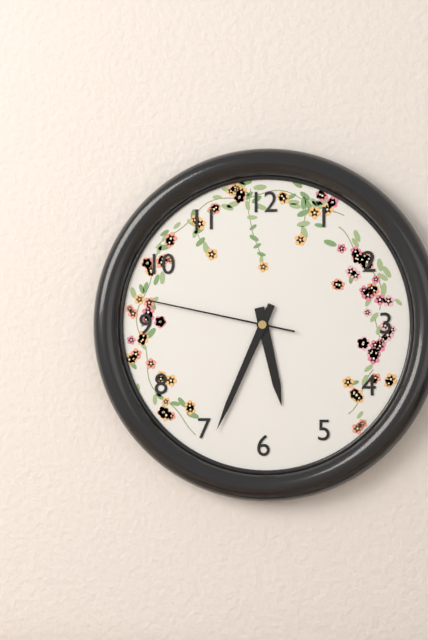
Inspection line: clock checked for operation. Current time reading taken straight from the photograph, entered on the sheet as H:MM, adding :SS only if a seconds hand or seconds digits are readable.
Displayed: 5:34:47
